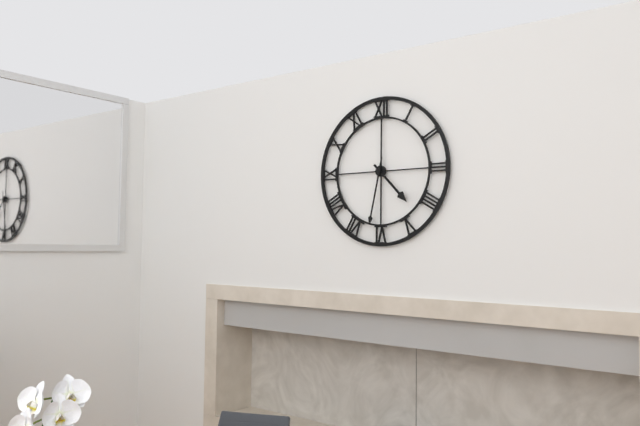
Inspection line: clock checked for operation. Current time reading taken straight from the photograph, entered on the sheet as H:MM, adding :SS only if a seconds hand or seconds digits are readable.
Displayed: 4:32
